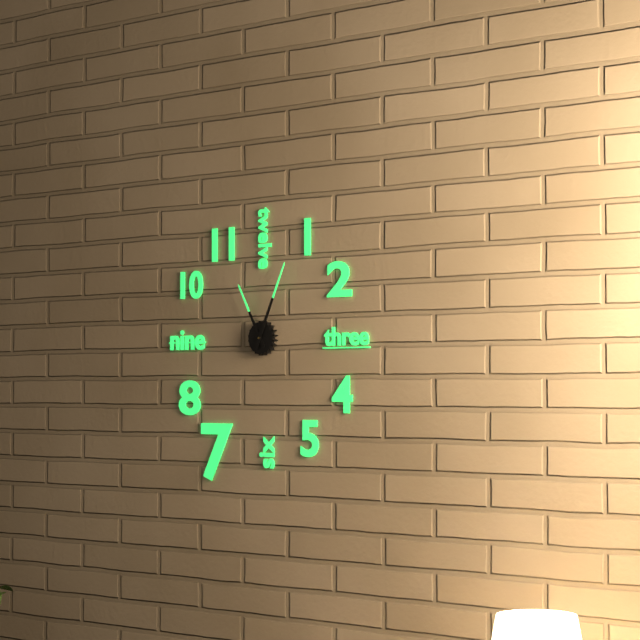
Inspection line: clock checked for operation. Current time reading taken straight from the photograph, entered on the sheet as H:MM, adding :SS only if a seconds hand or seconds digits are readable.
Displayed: 11:04
